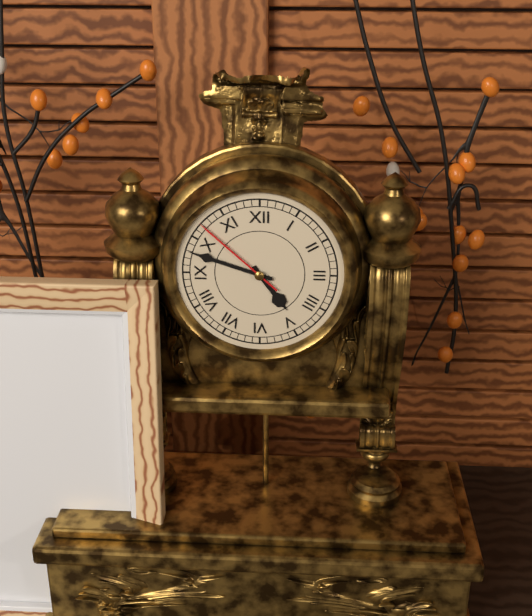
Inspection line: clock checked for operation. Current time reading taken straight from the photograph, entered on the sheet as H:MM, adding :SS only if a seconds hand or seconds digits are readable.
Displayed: 4:48:52
